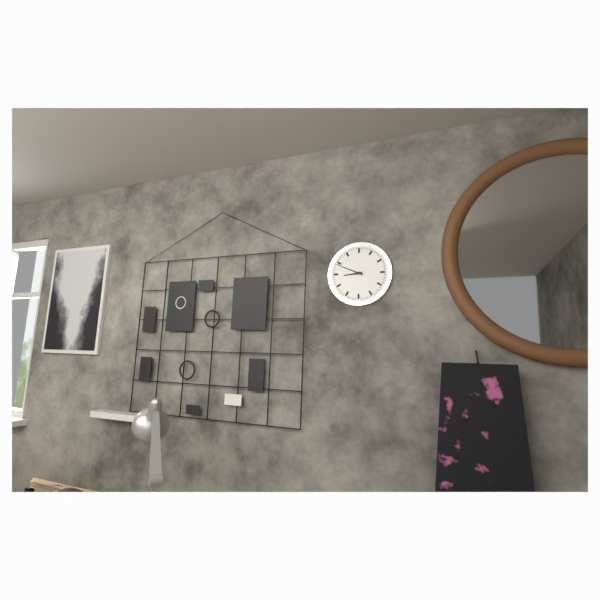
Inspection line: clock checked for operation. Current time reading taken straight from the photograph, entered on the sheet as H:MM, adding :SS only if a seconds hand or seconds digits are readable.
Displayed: 8:49
